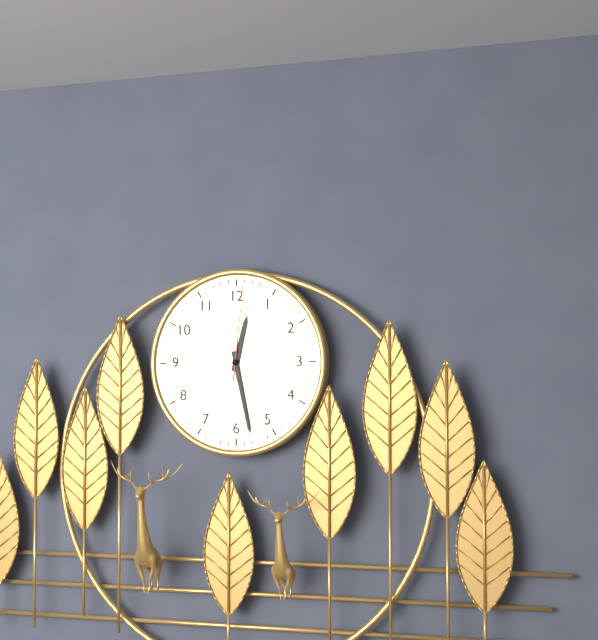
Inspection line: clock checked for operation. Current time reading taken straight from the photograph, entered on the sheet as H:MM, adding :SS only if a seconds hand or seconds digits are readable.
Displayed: 12:28:01
